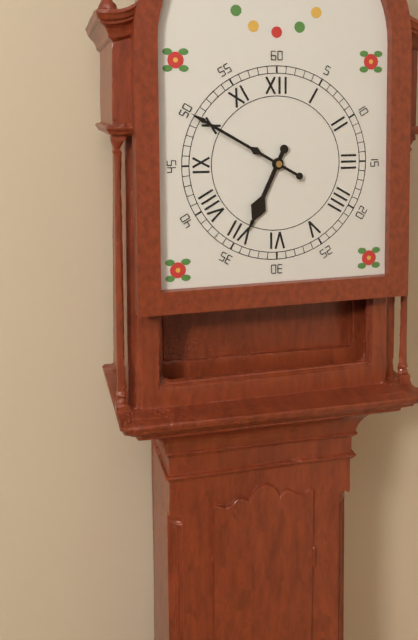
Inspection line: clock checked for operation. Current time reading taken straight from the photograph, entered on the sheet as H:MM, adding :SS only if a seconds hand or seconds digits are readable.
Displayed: 6:50
